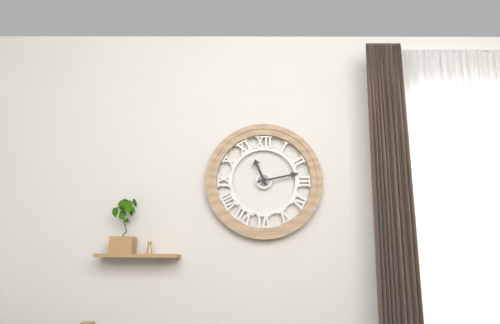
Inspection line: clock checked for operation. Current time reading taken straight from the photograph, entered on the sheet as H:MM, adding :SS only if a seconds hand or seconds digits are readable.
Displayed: 11:13
